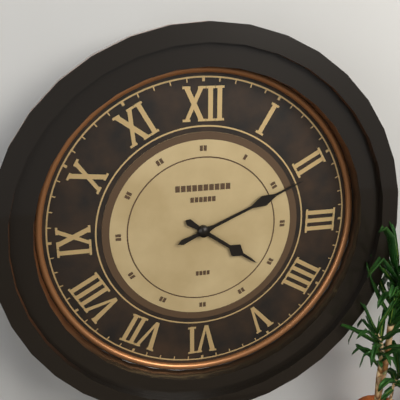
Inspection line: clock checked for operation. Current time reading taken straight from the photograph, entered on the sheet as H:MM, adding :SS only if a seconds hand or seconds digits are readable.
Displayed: 4:11
